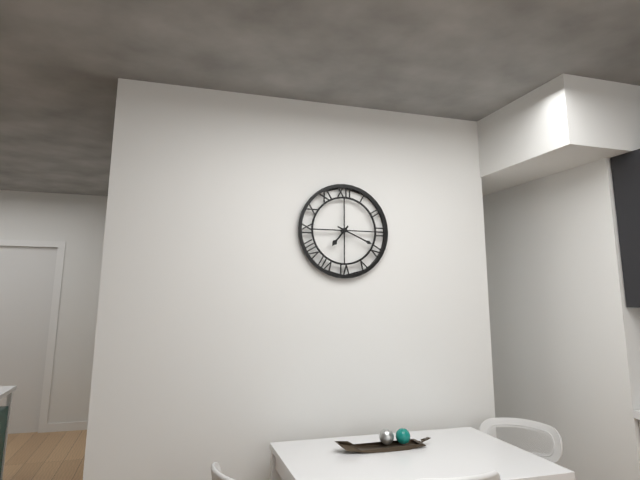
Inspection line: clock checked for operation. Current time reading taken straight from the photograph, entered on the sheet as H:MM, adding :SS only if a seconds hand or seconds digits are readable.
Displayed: 7:19
